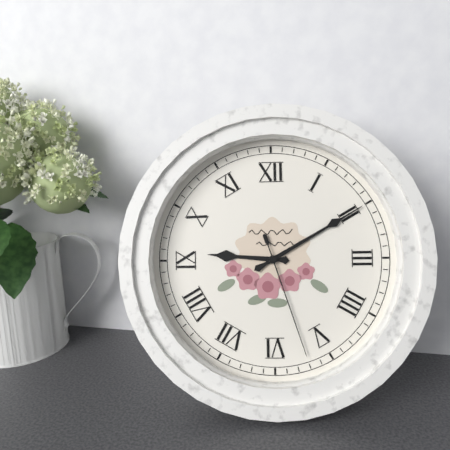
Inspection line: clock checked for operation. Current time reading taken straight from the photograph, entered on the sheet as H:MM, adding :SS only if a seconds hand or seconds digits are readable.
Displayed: 9:10:27
